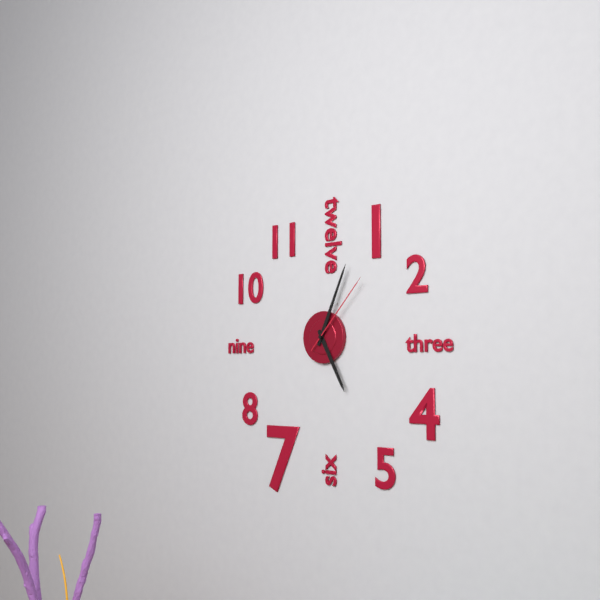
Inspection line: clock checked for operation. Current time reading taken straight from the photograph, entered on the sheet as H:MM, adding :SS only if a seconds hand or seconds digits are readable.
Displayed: 5:04:07
